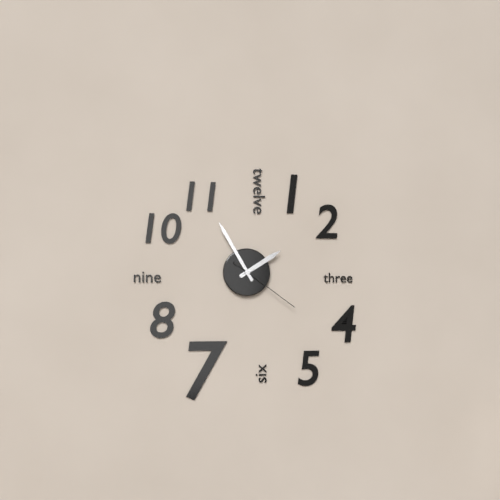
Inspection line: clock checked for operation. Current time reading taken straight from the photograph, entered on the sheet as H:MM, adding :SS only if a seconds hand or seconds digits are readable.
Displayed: 1:55:21
